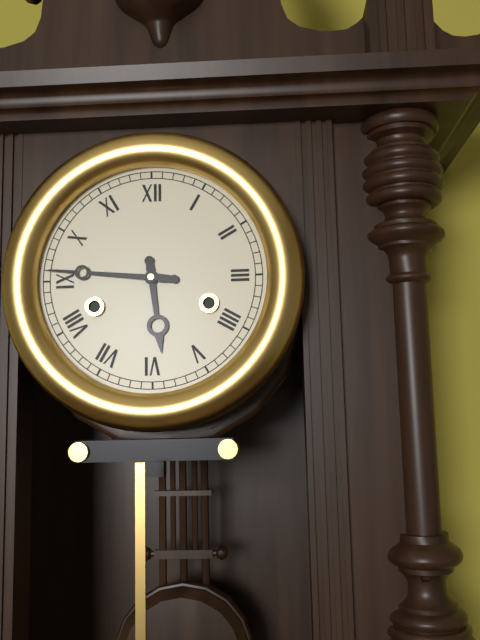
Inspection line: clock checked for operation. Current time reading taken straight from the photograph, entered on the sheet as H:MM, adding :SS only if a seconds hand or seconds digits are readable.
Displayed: 5:46
